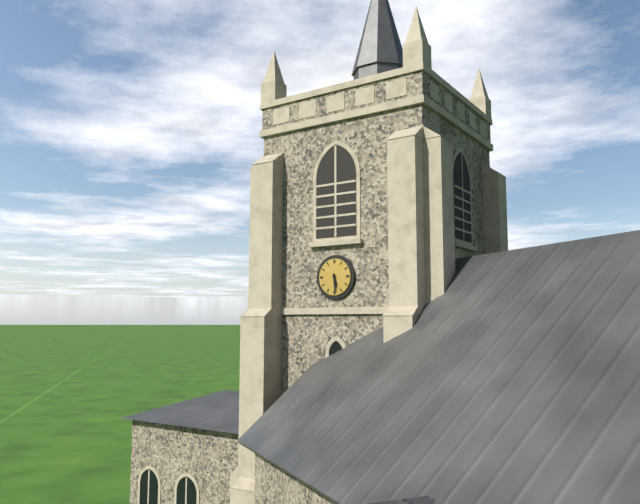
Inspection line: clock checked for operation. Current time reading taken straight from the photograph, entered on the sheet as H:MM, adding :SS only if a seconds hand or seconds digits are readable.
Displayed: 5:29
